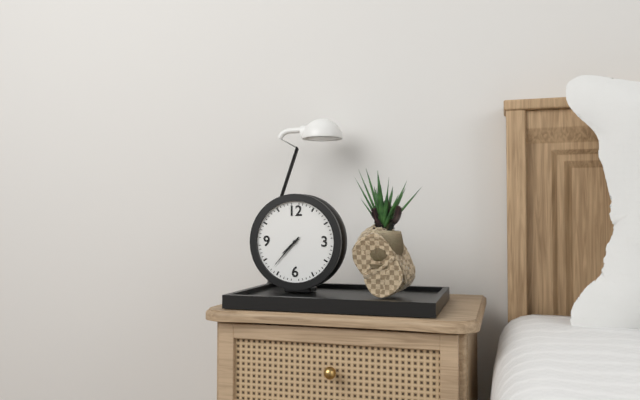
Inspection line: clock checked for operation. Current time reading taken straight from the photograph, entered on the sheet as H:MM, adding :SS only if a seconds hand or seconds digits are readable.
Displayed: 7:37
